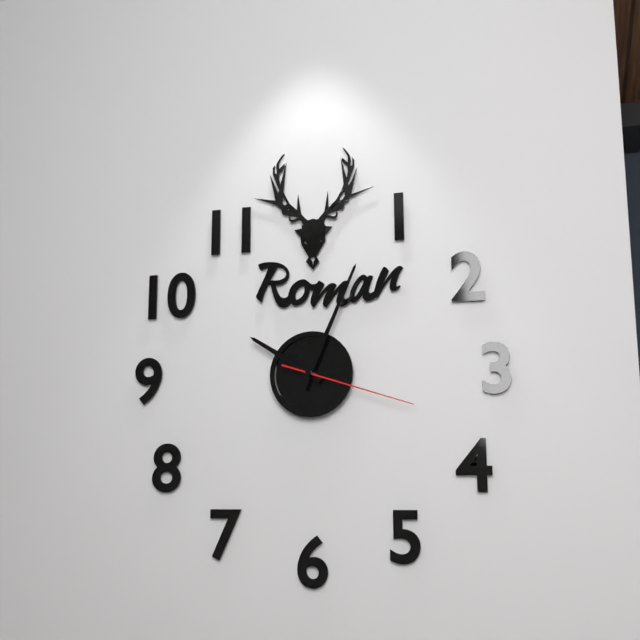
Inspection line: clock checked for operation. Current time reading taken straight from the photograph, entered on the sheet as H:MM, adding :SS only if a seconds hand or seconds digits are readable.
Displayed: 10:04:18
